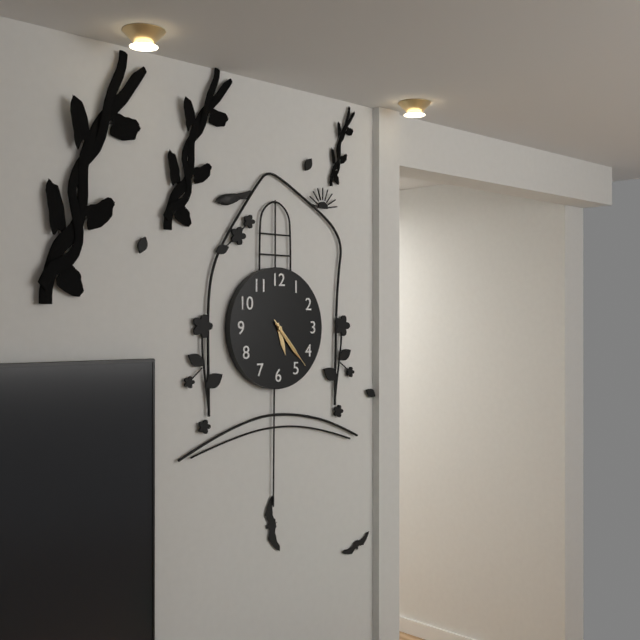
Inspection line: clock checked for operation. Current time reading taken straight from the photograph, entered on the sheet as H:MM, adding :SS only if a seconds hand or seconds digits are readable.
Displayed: 5:23:23
